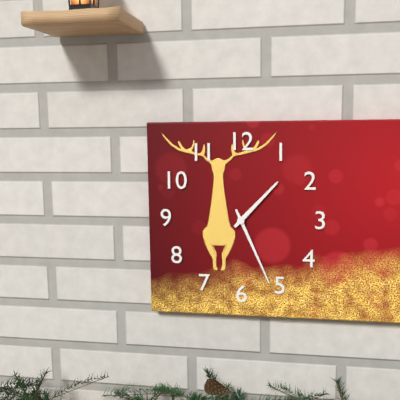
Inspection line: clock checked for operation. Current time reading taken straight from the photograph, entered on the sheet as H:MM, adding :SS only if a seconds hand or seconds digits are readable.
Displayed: 1:26
